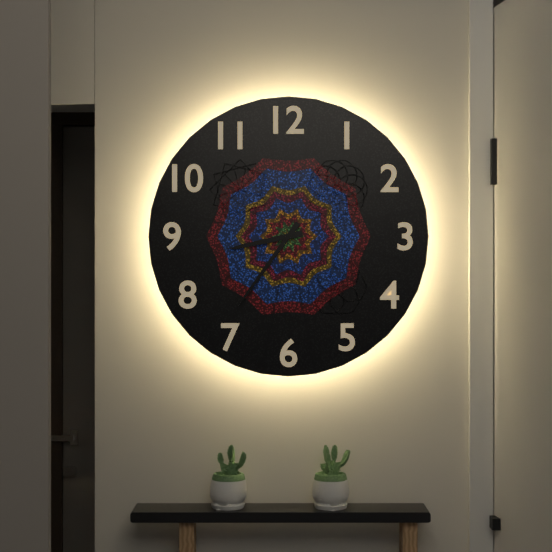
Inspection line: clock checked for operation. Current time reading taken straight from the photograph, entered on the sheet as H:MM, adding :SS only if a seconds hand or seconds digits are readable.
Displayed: 8:36
